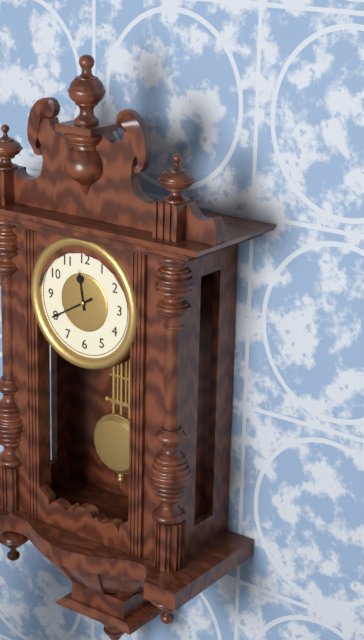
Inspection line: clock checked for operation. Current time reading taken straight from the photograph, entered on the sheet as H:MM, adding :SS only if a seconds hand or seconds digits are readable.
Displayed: 11:40
